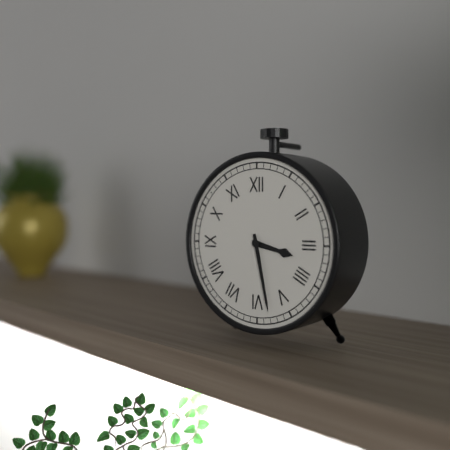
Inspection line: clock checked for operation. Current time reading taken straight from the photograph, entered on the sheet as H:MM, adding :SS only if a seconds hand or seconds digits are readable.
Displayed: 3:28
